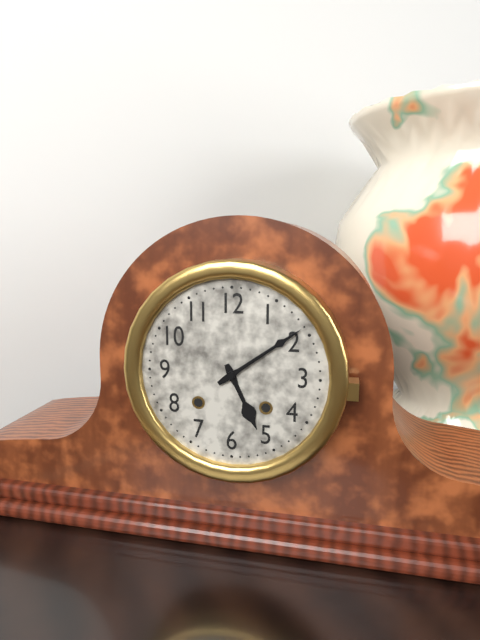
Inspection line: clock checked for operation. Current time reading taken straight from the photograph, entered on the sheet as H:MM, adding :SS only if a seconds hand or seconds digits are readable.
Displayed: 5:09
